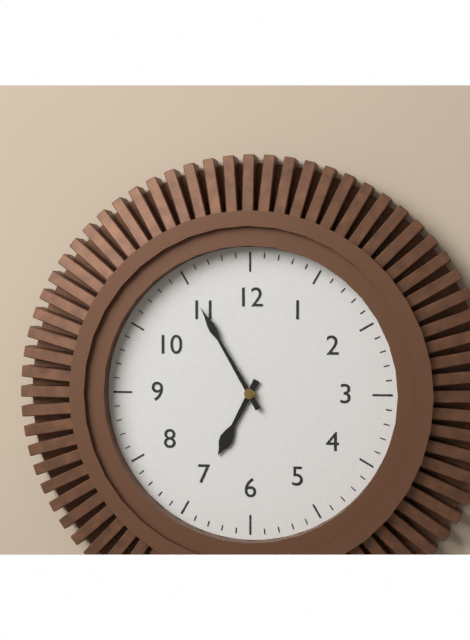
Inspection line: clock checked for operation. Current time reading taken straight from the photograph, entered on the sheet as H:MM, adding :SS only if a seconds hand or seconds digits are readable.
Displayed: 6:55
